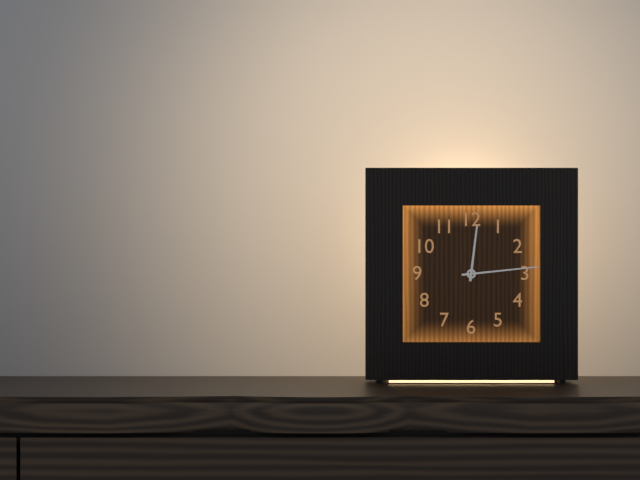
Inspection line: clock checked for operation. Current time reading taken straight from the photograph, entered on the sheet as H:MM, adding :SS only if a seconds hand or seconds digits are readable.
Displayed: 12:14
